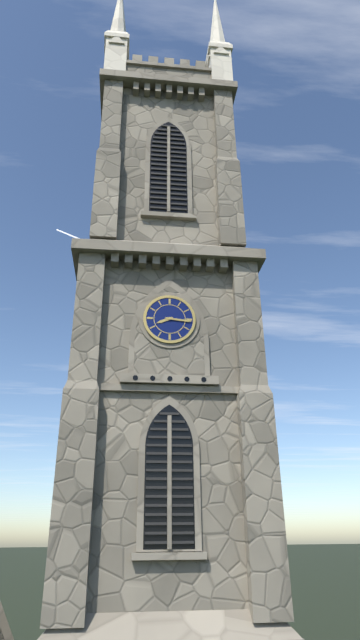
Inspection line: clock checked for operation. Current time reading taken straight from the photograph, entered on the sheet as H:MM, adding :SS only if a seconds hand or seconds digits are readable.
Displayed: 8:16
